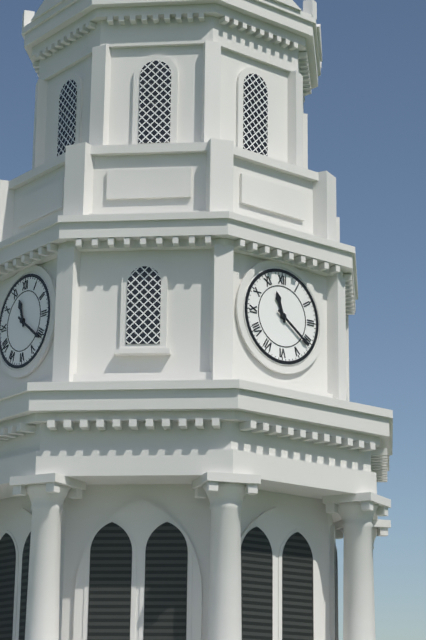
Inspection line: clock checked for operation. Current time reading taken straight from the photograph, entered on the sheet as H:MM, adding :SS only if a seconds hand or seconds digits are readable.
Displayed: 11:21
